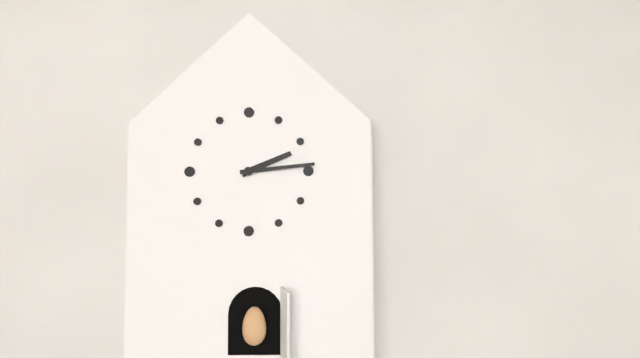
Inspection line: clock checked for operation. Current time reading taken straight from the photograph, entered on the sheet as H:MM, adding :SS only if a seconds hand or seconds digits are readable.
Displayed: 2:14
